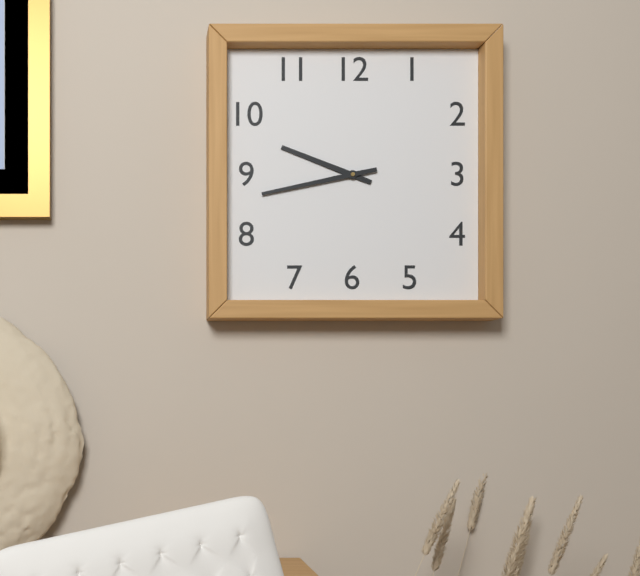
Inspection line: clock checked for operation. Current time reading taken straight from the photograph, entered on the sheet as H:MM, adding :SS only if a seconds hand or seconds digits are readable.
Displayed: 9:43
